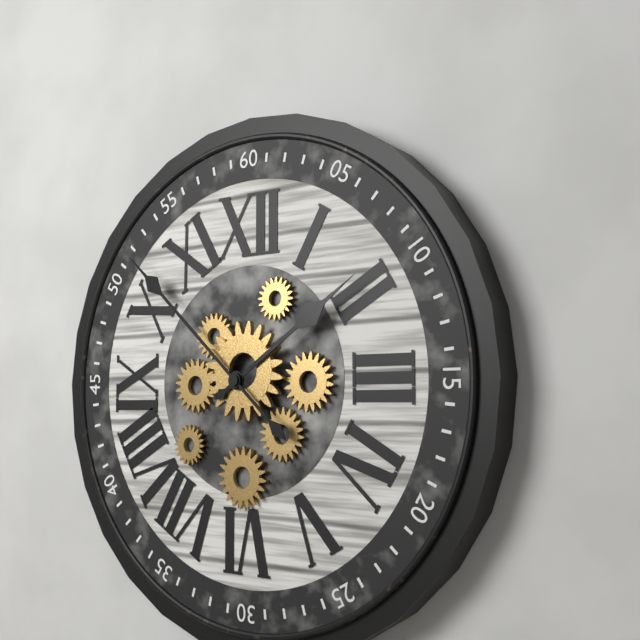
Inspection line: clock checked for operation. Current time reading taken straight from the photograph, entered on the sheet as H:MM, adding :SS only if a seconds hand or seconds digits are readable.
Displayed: 1:52
